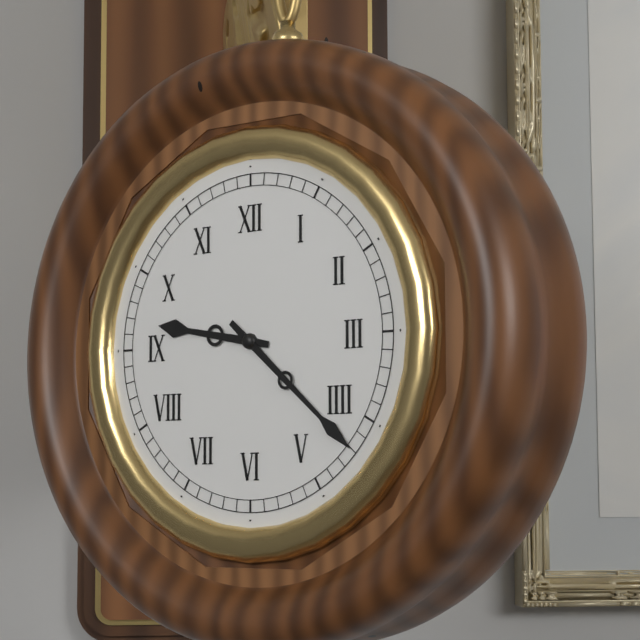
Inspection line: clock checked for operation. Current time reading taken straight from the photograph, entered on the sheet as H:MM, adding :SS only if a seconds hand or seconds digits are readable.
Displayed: 9:22
